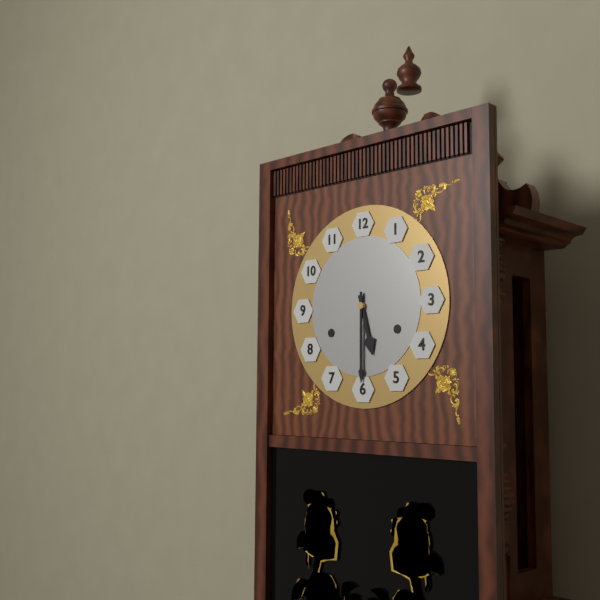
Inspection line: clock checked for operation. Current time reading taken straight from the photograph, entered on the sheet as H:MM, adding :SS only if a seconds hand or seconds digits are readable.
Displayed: 5:30
